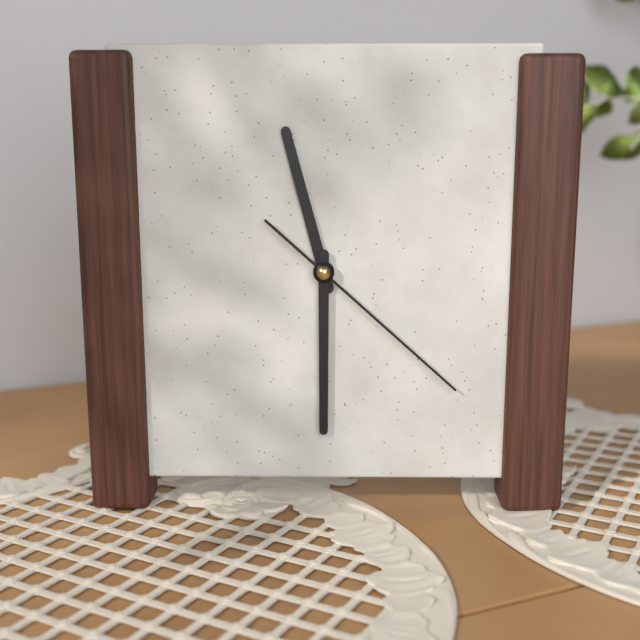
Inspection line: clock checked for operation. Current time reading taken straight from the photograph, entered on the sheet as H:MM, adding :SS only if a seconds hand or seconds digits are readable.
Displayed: 11:30:22
